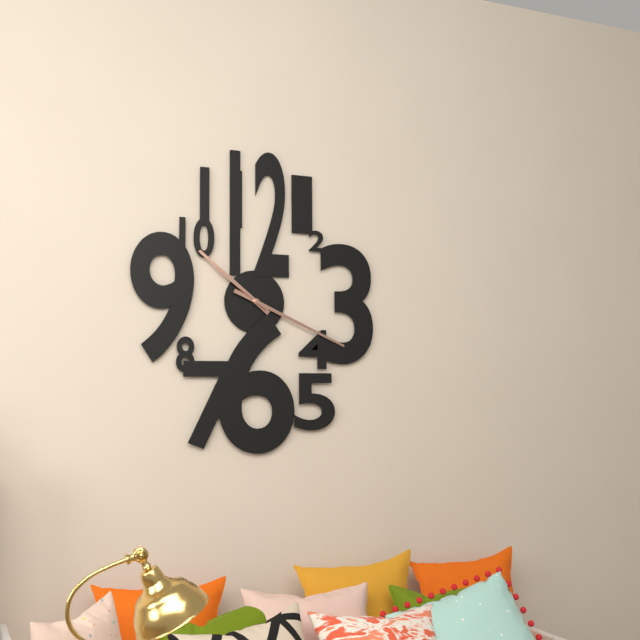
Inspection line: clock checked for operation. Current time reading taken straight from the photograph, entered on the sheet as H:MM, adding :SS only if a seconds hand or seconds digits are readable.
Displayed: 10:19:51
